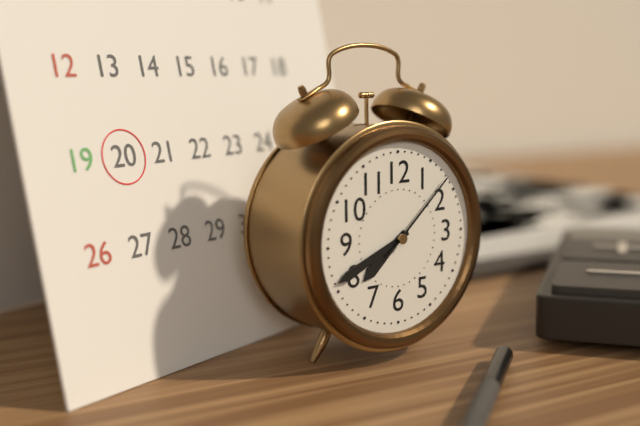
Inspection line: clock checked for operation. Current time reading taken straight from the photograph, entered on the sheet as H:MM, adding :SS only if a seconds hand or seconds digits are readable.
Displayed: 7:41:08
